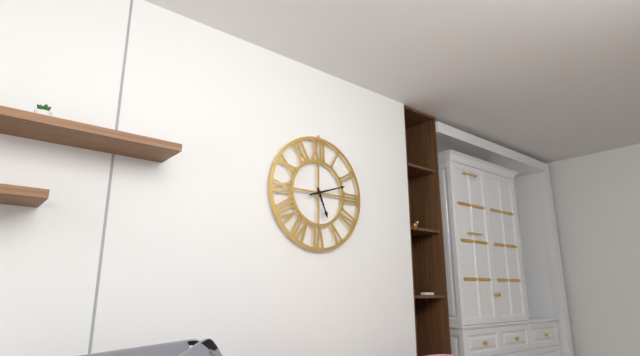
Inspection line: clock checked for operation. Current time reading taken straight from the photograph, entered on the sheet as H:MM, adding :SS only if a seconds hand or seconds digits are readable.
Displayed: 5:12
